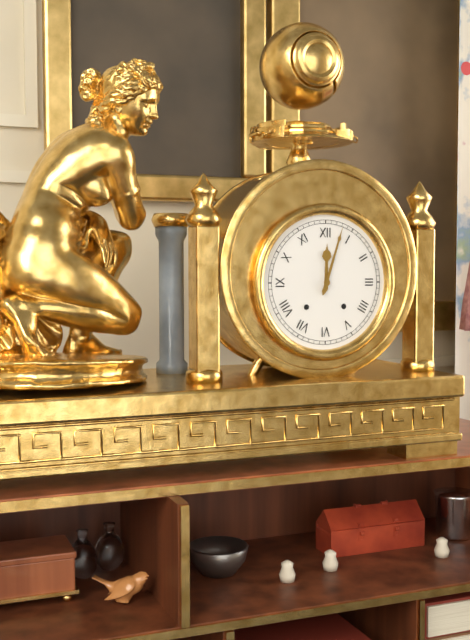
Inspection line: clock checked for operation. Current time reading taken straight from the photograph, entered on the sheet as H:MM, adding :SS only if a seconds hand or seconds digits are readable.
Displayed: 12:03
